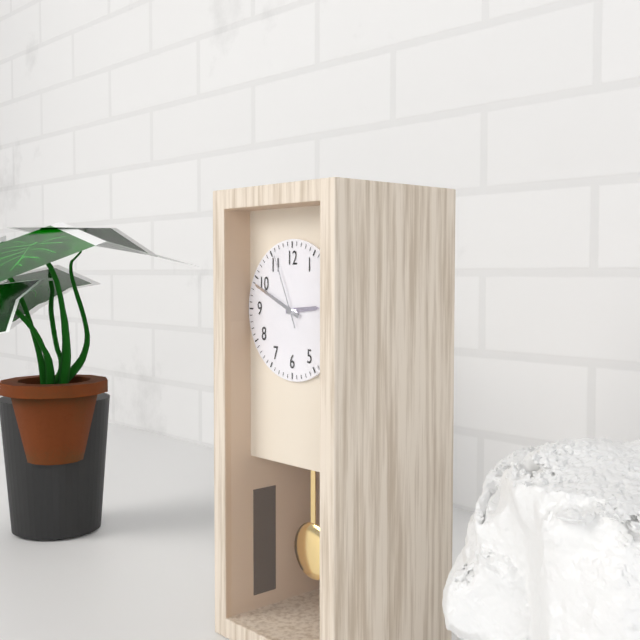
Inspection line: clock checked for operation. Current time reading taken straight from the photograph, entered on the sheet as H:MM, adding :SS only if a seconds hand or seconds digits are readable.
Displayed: 2:49:56
